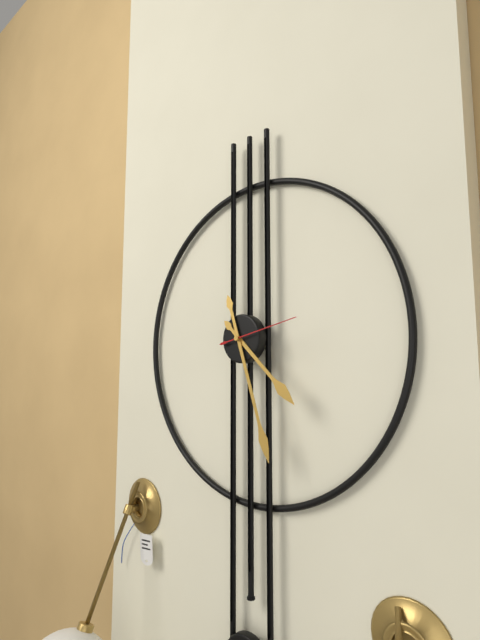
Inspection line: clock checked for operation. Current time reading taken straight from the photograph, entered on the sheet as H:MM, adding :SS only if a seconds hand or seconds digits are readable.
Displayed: 4:27:13
